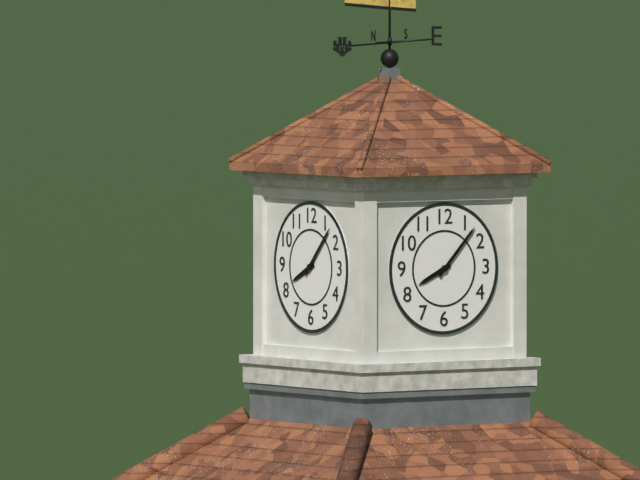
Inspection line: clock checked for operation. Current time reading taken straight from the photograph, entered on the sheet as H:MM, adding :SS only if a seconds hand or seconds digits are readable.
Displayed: 8:07
